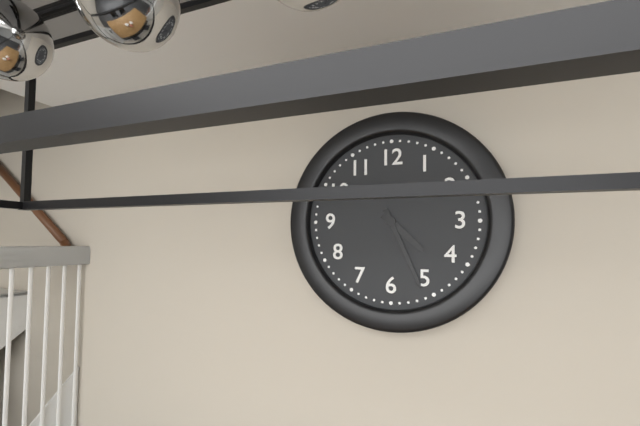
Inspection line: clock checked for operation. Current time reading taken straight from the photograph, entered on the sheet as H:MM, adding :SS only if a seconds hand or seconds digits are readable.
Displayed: 4:26
